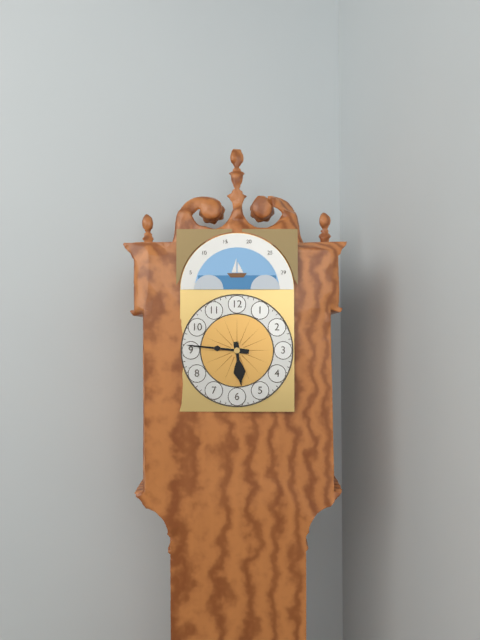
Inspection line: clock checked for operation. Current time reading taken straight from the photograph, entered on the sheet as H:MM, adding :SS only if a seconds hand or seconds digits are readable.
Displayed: 5:46
